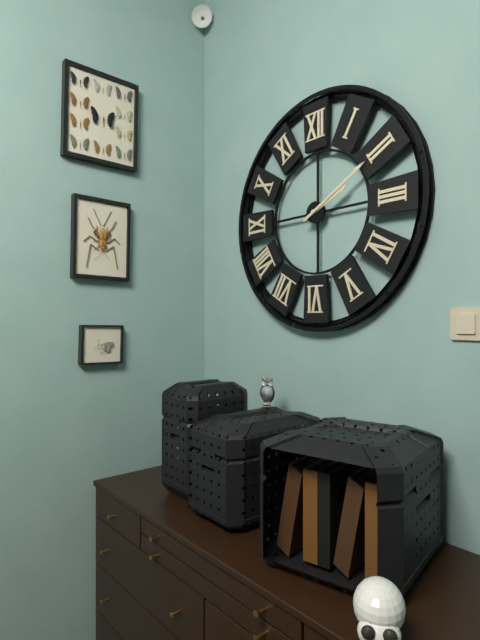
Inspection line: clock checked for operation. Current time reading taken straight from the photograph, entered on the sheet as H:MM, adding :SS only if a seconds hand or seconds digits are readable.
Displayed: 2:10
